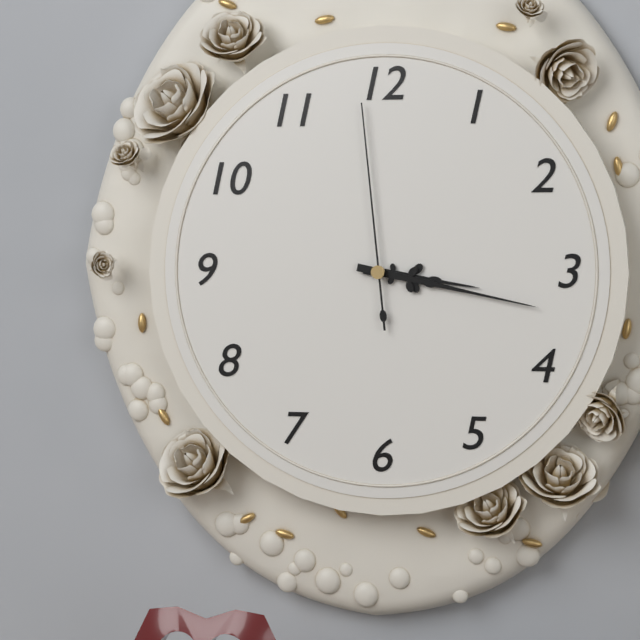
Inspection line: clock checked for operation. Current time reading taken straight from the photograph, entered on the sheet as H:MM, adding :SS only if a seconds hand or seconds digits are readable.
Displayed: 3:17:59
